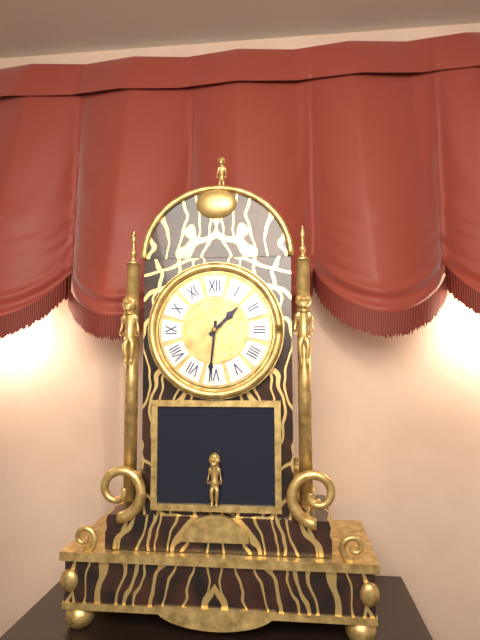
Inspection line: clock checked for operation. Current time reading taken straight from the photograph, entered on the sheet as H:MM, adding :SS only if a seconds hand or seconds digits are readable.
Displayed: 1:31
